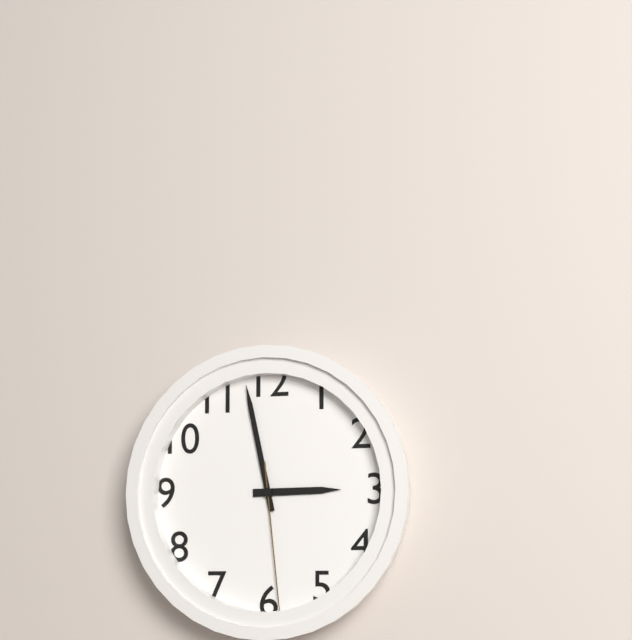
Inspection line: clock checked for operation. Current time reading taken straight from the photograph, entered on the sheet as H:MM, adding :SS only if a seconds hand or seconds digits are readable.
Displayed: 2:58:29
